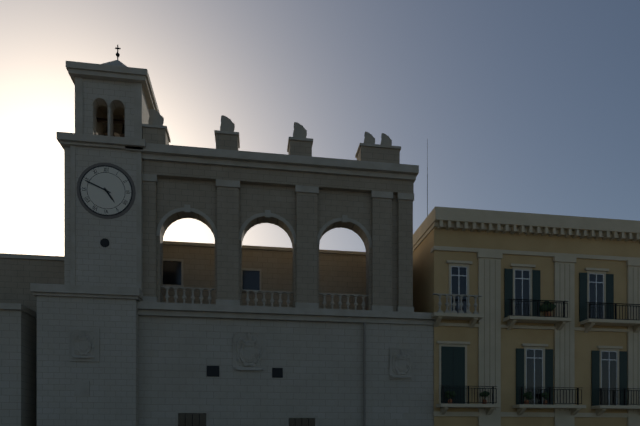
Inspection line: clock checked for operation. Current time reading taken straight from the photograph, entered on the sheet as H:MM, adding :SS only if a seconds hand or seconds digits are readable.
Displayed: 4:49
